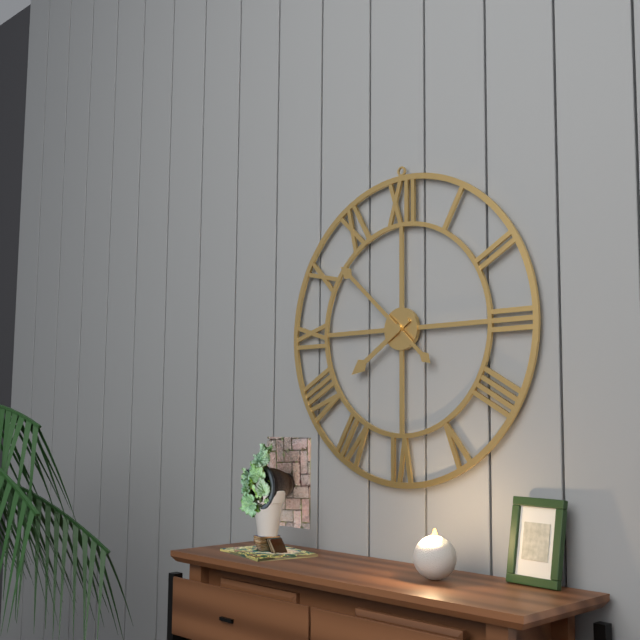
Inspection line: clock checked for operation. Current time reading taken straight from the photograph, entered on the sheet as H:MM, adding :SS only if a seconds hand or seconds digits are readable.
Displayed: 7:52
